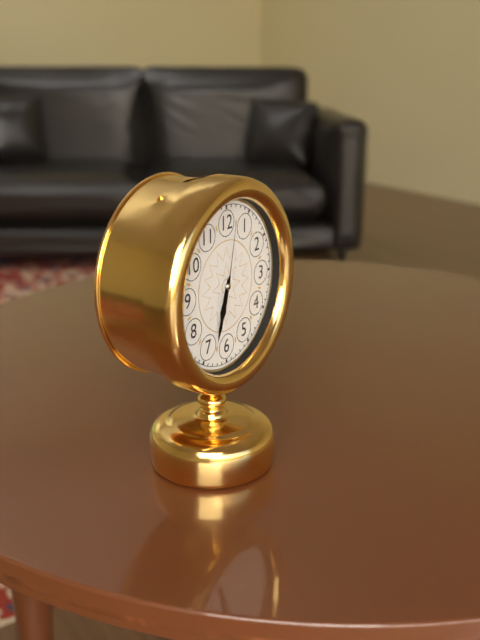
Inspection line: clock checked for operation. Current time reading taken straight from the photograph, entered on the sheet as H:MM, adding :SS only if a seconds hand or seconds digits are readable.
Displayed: 6:33:02
